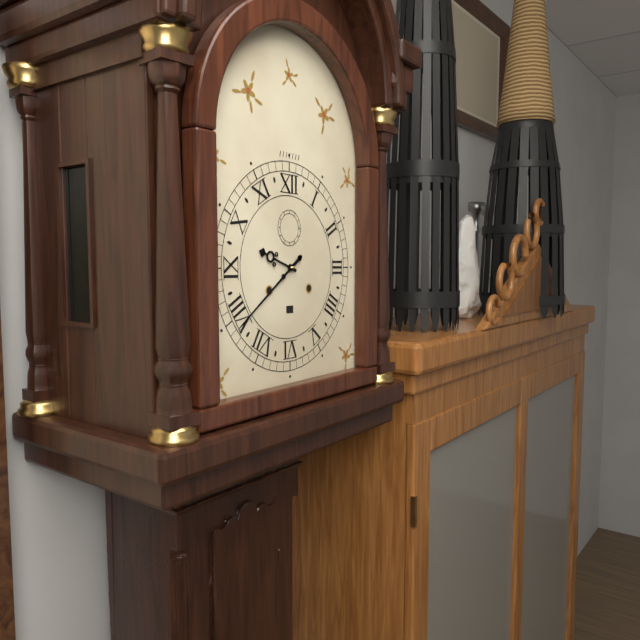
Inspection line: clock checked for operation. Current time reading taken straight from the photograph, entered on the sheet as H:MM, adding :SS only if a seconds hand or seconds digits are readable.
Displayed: 9:39
